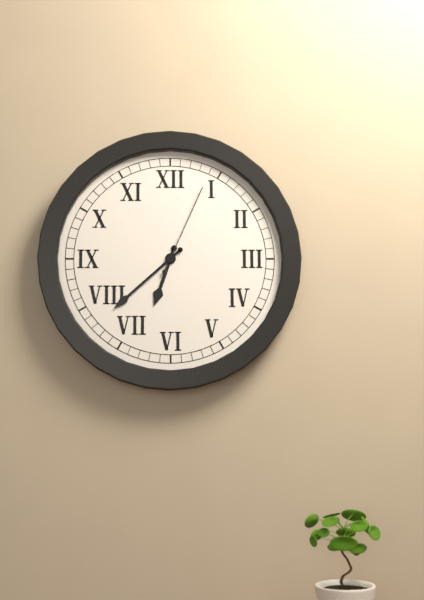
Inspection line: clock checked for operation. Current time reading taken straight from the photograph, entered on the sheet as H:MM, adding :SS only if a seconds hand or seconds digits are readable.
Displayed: 6:38:04
